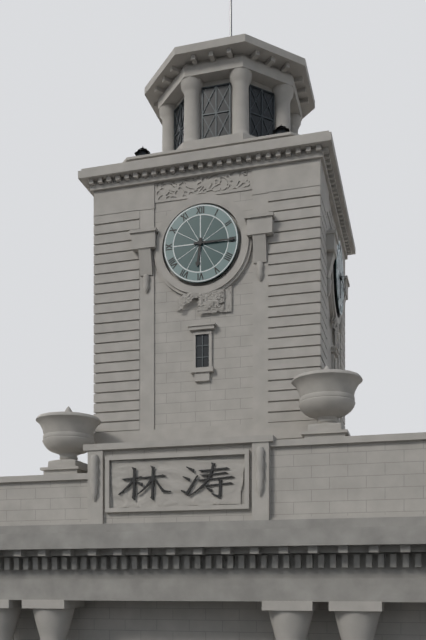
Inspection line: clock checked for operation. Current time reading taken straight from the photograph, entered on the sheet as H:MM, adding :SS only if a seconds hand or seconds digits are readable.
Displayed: 6:15
